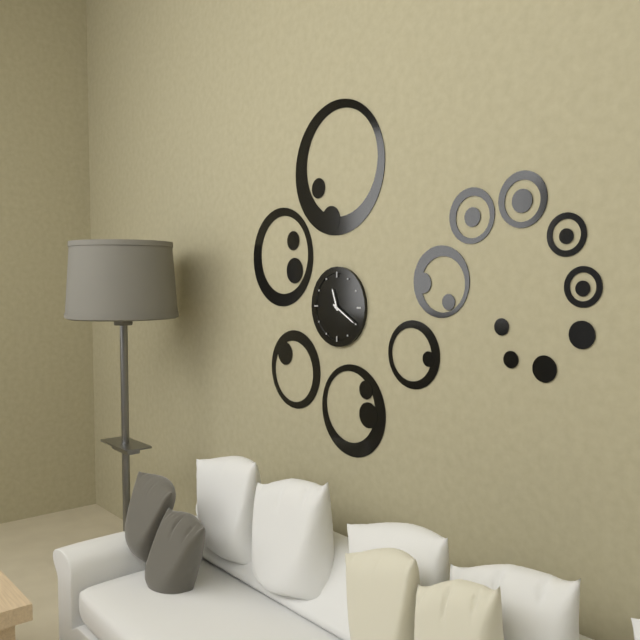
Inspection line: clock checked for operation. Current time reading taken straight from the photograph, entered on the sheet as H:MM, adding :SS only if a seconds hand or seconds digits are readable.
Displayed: 11:20
